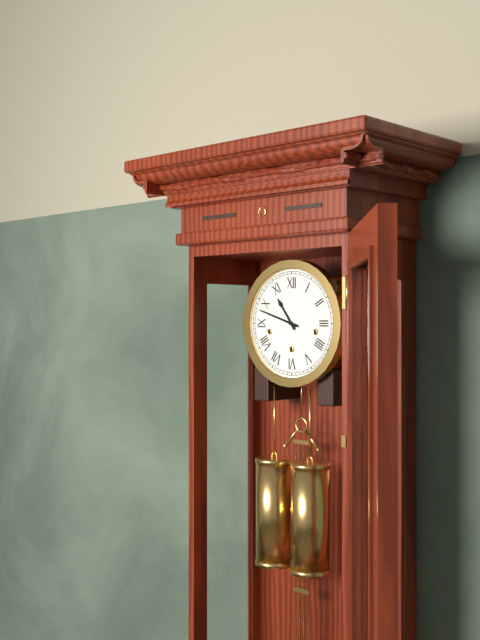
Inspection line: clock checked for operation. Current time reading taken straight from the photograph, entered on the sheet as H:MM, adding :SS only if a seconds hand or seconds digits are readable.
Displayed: 10:48
